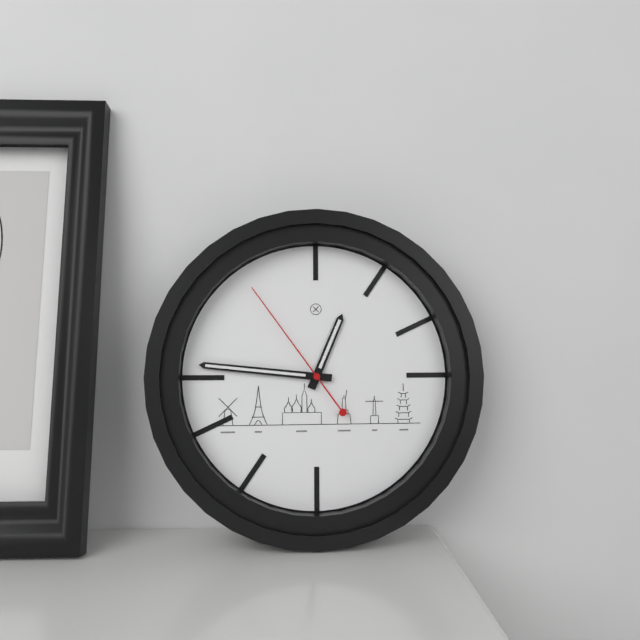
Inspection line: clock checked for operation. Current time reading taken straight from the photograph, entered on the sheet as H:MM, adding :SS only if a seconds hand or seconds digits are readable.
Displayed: 12:46:54
